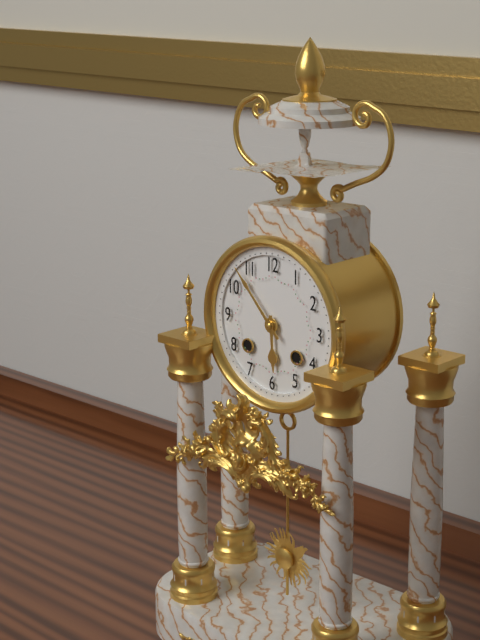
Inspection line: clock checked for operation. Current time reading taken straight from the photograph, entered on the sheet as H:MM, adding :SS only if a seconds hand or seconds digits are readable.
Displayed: 5:53
